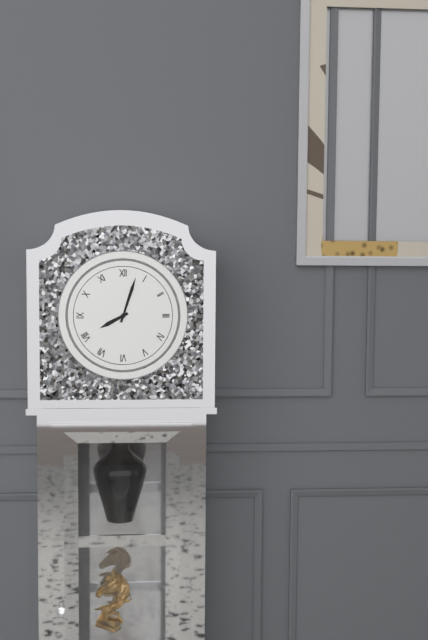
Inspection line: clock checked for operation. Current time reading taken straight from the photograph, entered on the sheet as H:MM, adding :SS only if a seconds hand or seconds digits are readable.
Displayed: 8:03
